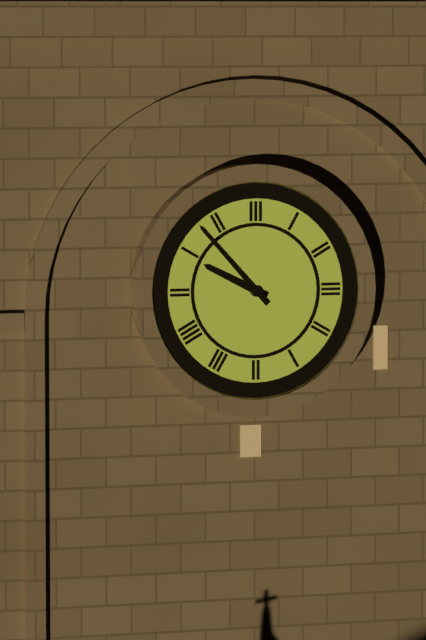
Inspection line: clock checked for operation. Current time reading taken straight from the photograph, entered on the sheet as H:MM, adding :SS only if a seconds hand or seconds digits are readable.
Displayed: 9:53
